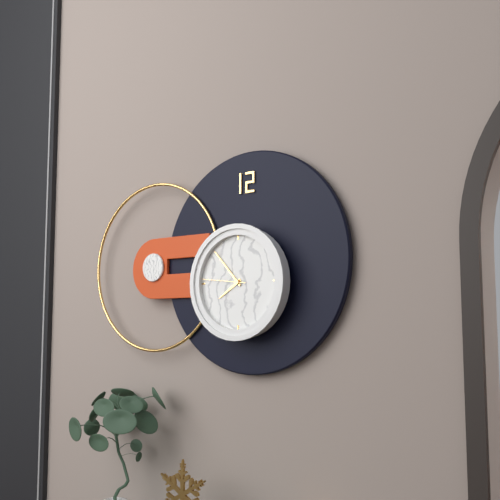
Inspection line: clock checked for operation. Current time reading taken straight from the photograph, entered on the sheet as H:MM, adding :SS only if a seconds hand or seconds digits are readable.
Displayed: 7:53
